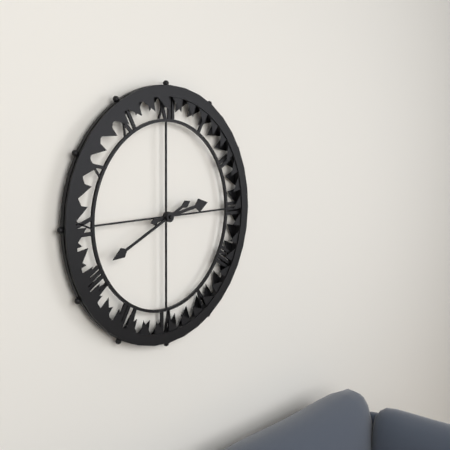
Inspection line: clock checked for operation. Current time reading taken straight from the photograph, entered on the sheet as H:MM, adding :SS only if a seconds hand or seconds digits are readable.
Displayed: 2:41
